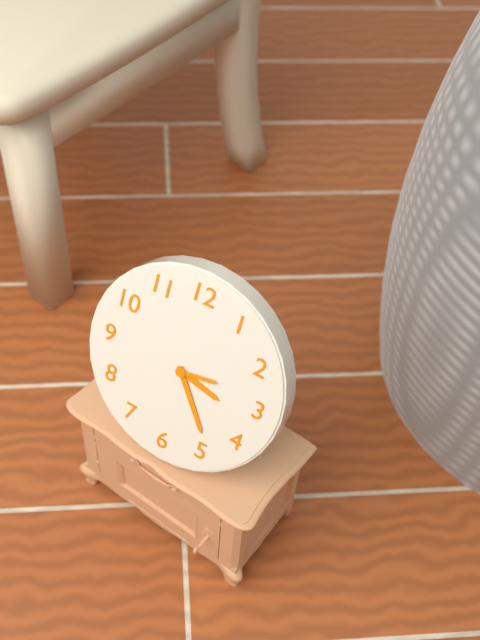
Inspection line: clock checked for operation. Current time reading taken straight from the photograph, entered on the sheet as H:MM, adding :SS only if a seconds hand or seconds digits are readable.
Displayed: 3:24
